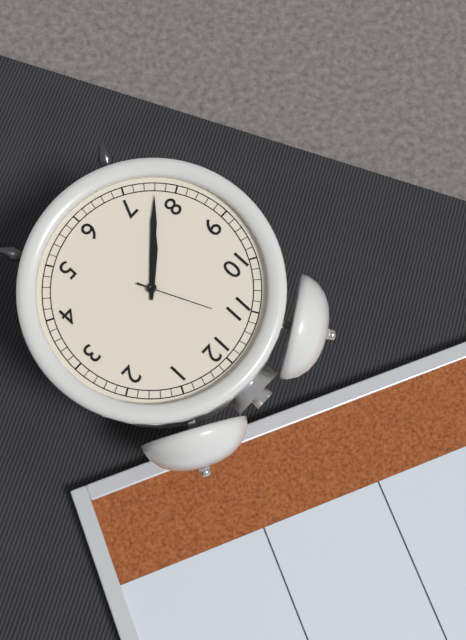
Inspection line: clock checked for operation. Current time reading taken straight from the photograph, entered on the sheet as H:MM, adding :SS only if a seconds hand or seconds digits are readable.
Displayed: 7:38:56
